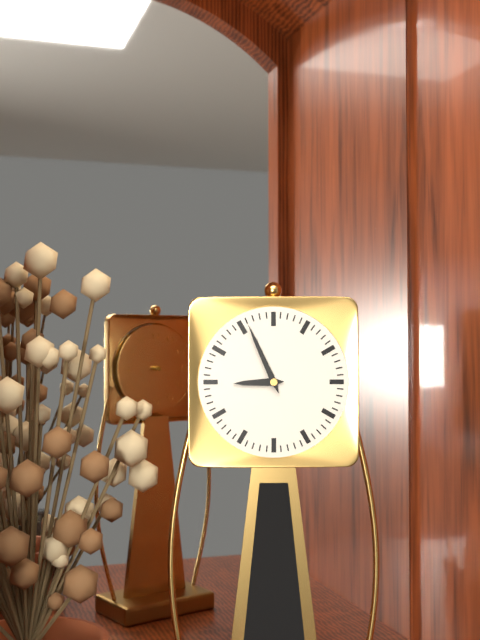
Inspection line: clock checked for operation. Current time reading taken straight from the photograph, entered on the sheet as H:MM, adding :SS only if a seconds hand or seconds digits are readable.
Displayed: 8:56
